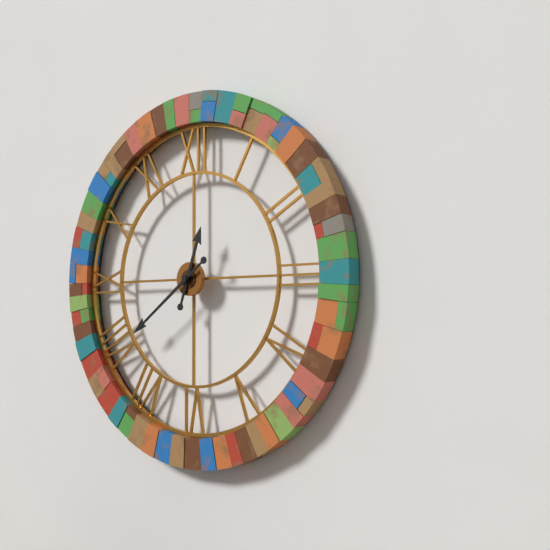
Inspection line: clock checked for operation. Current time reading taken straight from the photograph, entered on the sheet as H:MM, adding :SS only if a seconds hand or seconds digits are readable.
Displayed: 12:39
